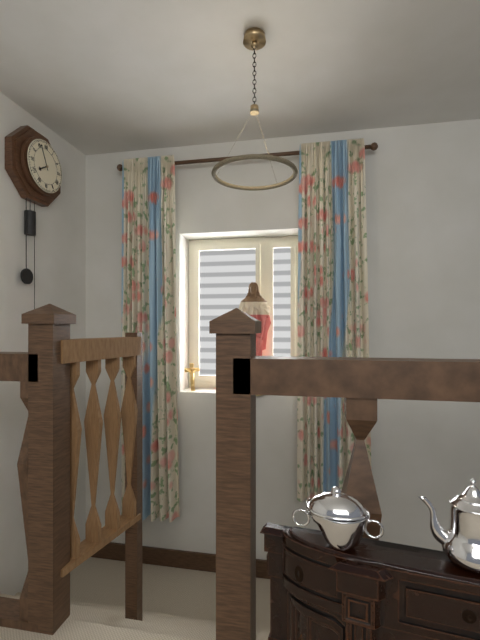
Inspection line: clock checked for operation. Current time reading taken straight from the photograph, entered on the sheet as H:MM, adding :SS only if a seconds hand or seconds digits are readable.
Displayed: 7:56
